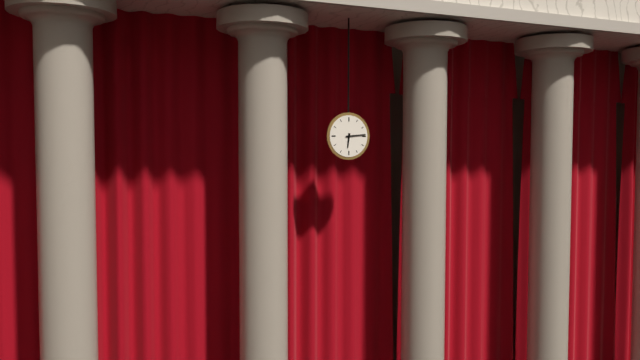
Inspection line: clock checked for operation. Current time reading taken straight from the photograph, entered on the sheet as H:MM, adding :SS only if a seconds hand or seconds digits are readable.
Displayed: 6:14
